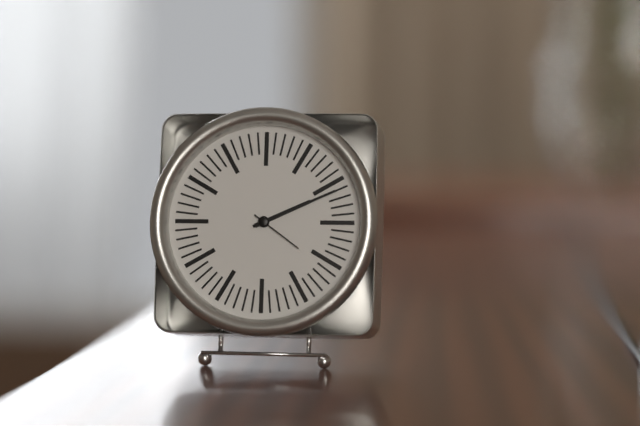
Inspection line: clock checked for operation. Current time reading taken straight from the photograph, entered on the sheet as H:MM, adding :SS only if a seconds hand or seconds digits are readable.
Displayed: 2:11:21
